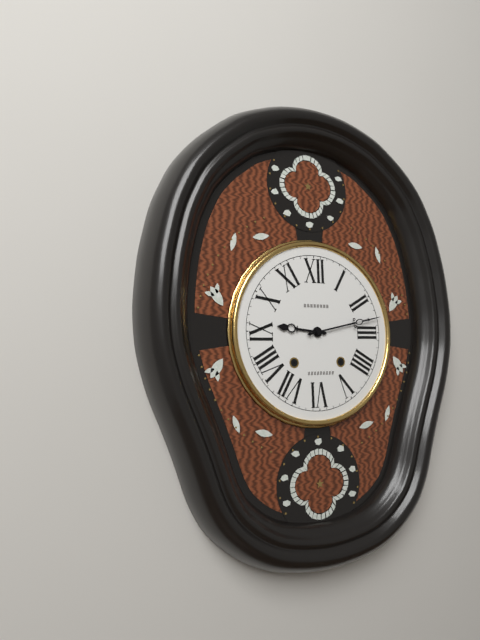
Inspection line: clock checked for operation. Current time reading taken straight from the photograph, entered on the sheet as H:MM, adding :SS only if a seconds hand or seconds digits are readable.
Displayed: 9:13
